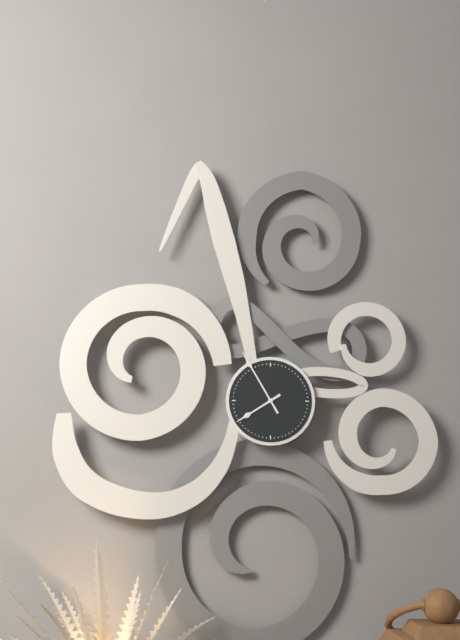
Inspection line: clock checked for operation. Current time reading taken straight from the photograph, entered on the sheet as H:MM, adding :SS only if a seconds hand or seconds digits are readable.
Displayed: 7:55
